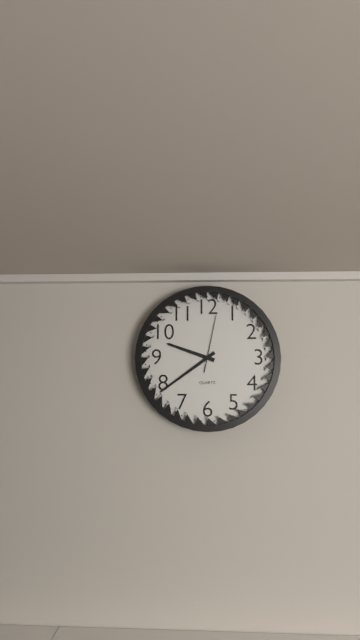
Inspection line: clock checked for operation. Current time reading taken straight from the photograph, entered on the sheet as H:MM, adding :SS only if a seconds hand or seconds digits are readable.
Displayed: 9:39:02
